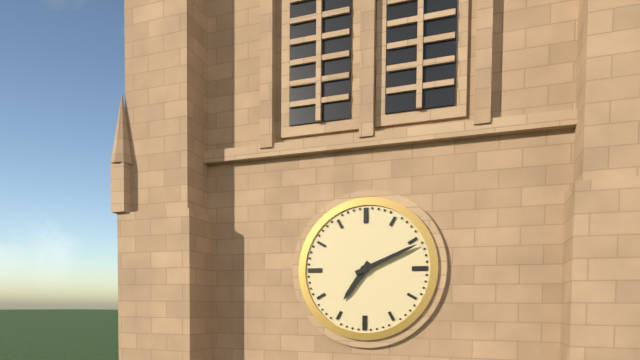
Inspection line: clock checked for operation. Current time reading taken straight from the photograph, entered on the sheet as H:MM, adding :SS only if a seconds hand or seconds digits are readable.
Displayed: 7:11
